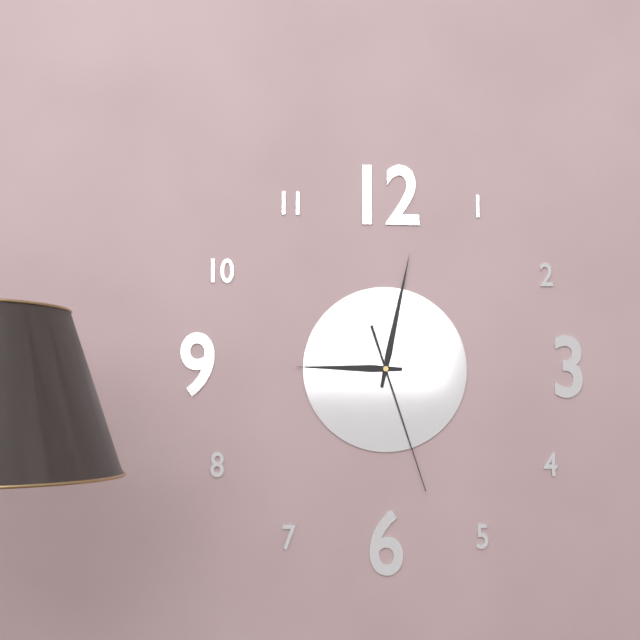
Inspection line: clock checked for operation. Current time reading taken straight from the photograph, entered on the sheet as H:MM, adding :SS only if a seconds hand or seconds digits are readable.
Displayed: 9:02:27
